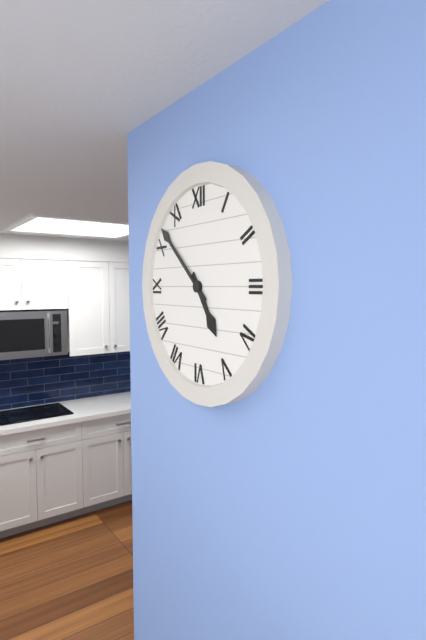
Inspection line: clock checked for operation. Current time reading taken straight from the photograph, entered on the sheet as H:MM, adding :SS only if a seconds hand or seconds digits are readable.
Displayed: 4:52
